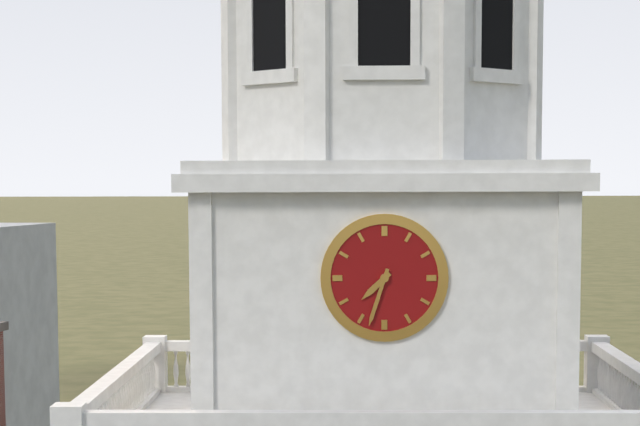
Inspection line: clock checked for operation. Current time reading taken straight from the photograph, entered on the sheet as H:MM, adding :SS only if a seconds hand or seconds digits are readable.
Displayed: 7:33
